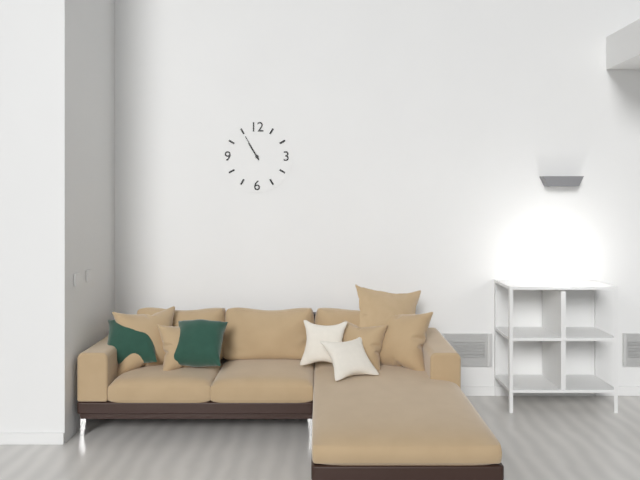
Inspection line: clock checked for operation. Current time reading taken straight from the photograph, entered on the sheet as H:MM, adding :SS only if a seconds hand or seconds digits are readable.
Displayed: 10:55
